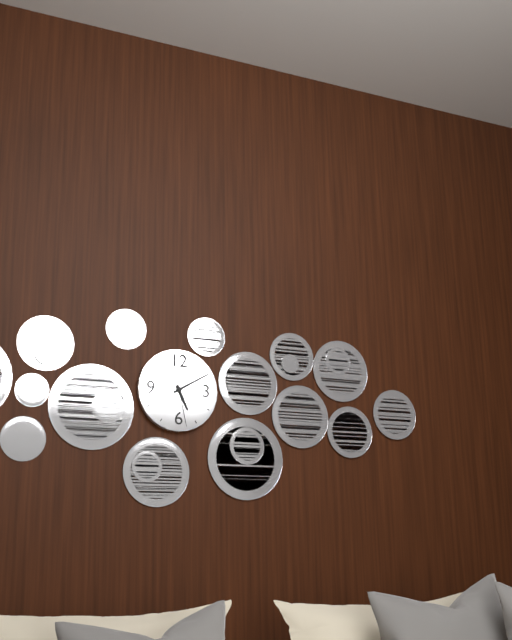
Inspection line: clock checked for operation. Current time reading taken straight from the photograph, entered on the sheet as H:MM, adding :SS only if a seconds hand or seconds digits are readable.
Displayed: 5:10
